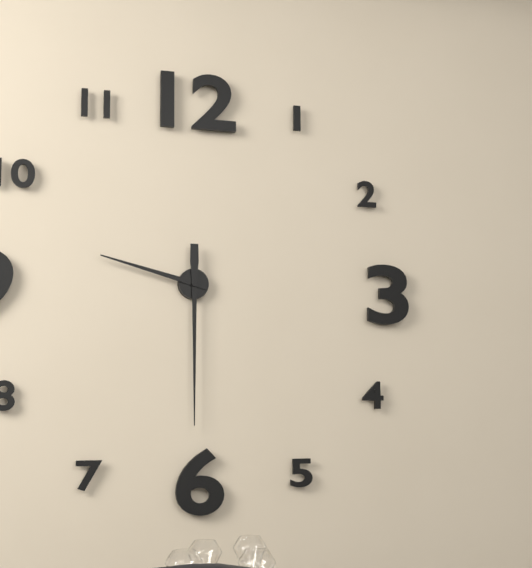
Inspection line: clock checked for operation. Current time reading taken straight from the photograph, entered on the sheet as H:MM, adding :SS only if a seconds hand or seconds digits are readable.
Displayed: 9:30
